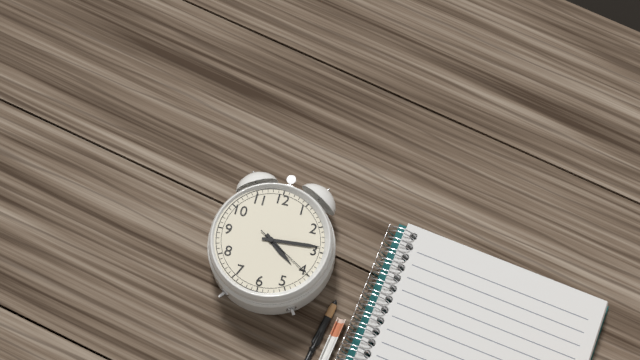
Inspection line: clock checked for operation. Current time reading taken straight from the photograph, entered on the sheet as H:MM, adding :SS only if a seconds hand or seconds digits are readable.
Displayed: 4:14:20
